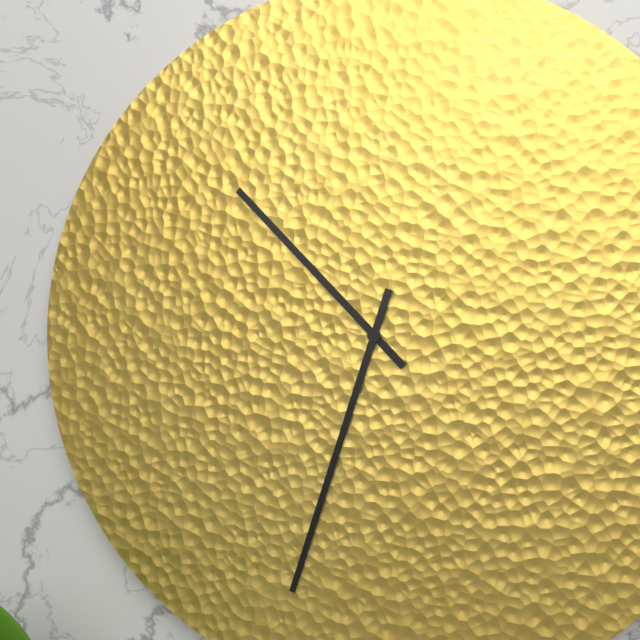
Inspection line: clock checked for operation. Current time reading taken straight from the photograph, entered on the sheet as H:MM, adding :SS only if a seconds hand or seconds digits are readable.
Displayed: 10:33
